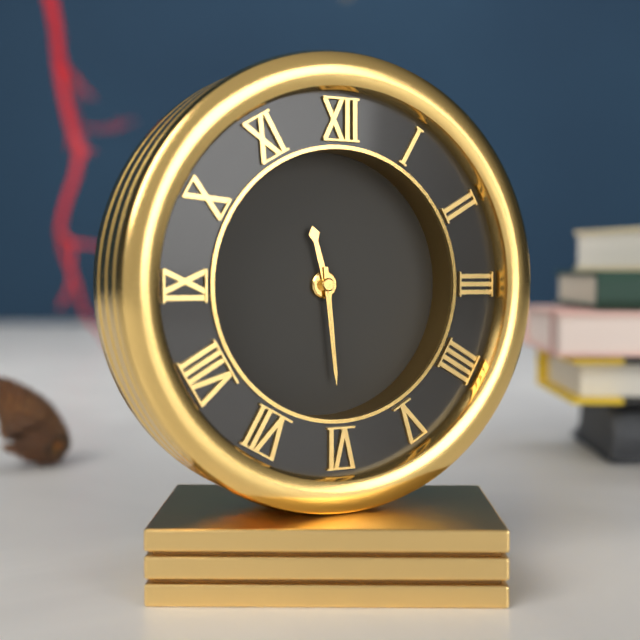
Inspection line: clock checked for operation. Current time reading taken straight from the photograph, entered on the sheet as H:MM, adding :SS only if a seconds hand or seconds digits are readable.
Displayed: 11:29
